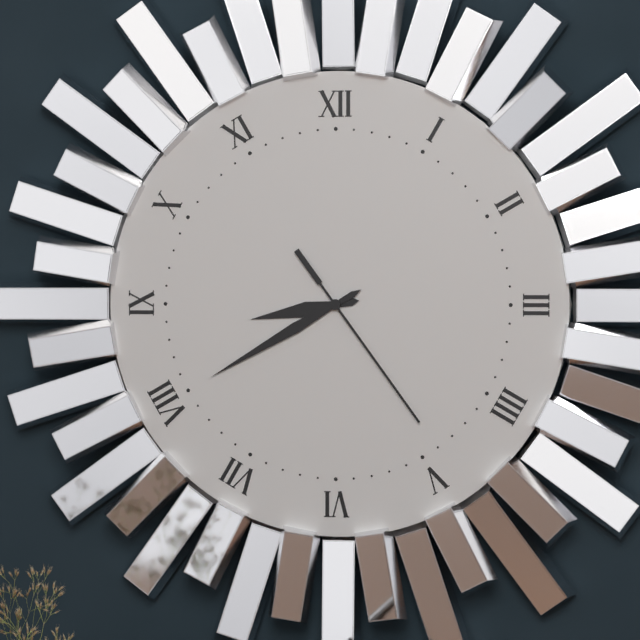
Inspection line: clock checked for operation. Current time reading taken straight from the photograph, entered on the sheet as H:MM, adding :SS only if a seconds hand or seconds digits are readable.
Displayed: 8:40:24
